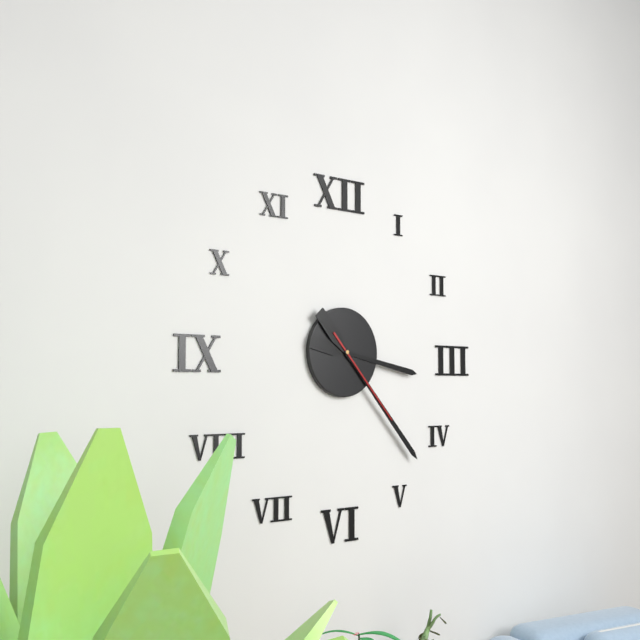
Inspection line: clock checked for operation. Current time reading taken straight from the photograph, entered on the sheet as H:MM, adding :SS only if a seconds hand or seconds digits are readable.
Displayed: 3:23:23
